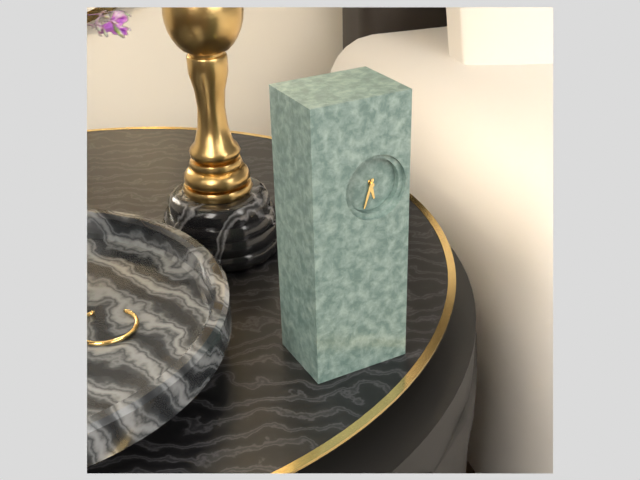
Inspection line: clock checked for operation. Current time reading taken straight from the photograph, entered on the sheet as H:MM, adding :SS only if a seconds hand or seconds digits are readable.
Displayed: 5:33
